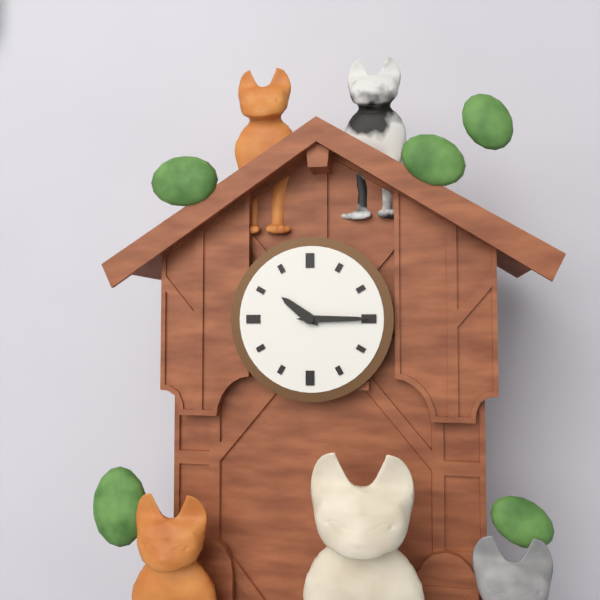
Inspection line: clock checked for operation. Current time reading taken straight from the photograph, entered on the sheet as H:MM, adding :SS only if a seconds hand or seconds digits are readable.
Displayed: 10:15
